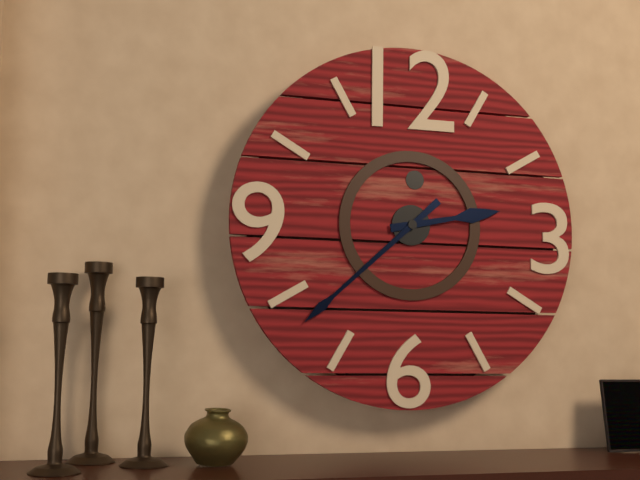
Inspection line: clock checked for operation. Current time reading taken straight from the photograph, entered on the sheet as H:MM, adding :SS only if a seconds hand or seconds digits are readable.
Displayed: 2:38
